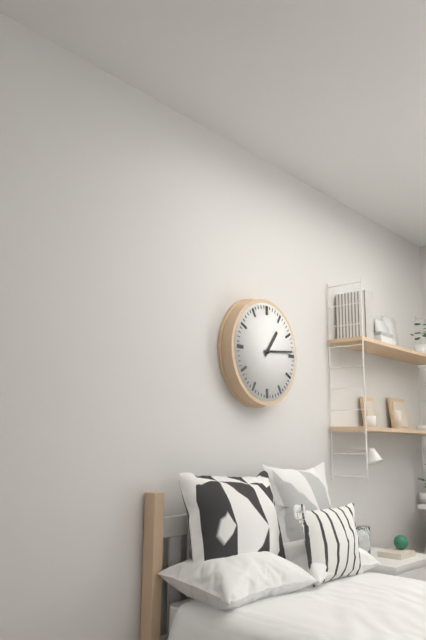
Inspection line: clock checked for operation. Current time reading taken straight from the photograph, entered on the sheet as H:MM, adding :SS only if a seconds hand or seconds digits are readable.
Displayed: 1:14
